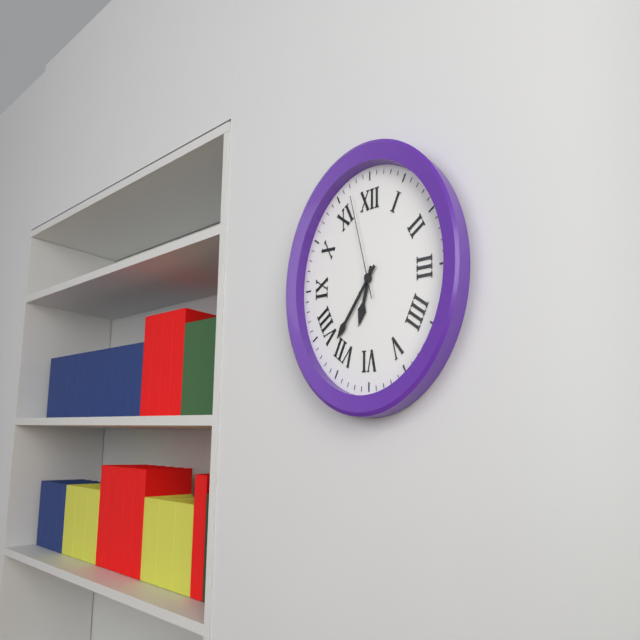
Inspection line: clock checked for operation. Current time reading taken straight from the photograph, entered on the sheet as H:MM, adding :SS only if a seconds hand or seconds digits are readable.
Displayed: 6:37:57
